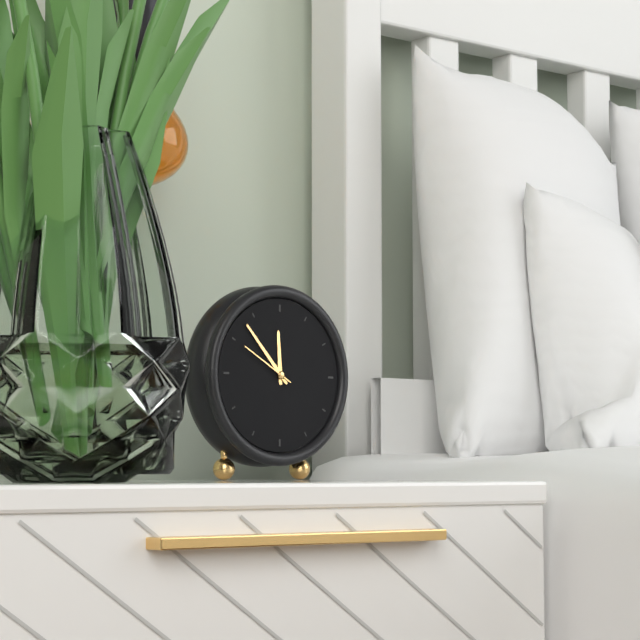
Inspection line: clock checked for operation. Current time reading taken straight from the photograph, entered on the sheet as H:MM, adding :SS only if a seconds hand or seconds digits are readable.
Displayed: 11:53:50
